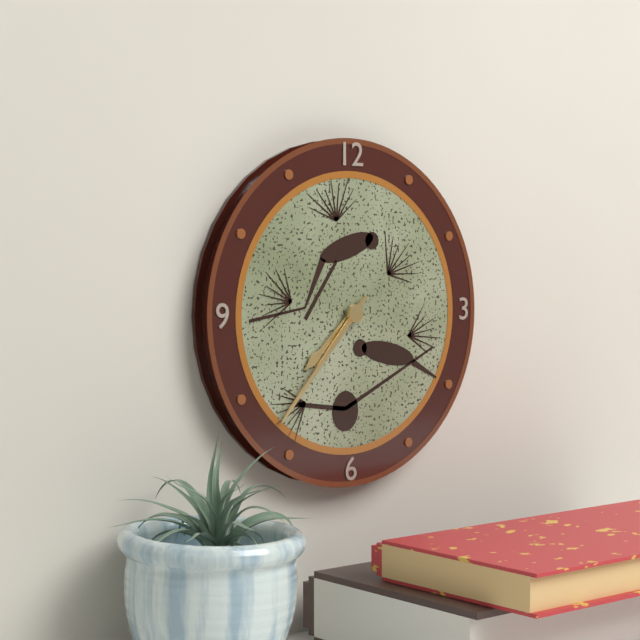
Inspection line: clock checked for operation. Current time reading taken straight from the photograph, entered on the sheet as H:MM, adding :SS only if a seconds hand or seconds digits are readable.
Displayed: 7:37
